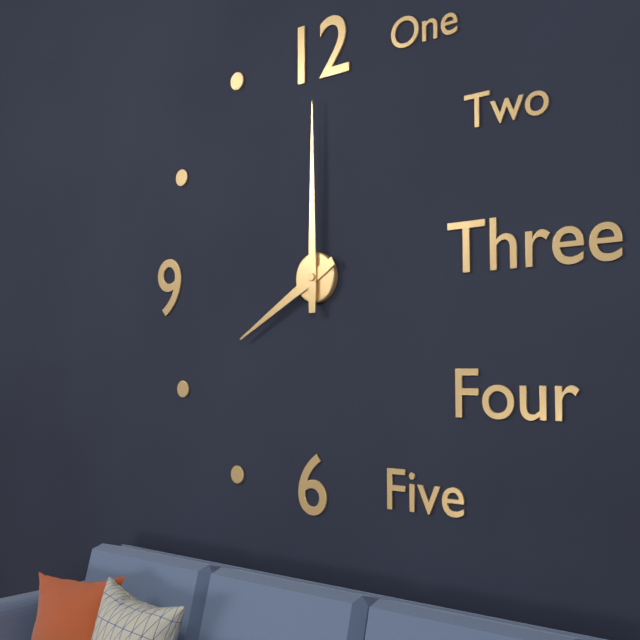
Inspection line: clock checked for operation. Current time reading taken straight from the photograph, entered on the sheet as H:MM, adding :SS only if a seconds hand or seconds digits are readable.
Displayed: 8:00
